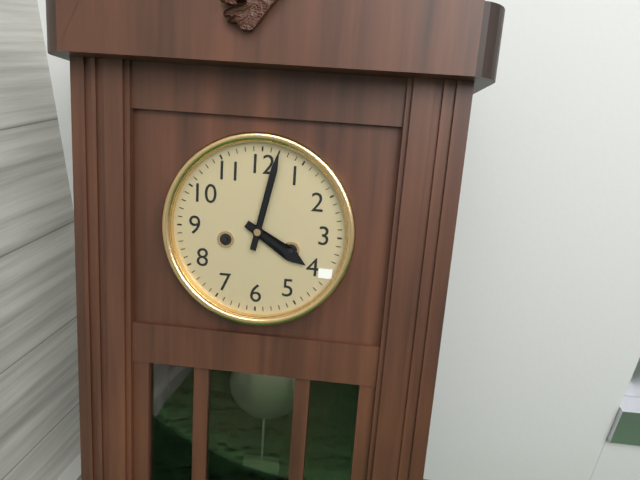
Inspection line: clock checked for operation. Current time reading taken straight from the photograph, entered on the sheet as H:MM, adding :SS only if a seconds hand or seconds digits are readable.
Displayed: 4:02
